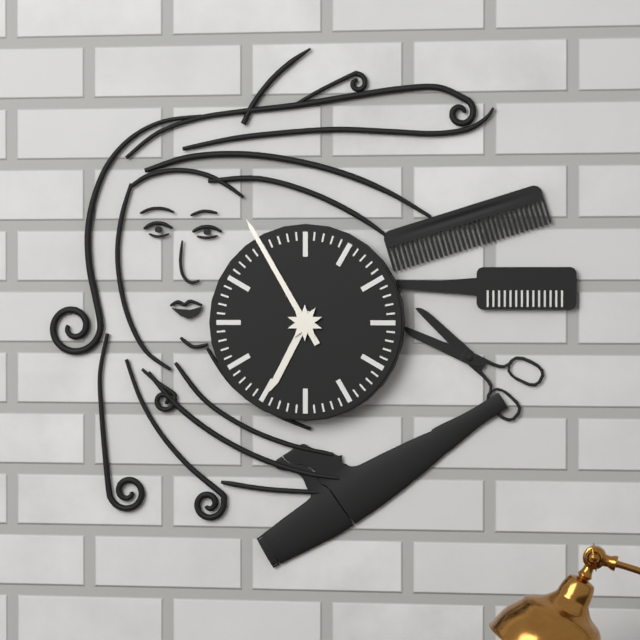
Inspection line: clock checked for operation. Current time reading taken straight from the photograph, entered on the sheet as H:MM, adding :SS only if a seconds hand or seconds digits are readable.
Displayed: 6:55
